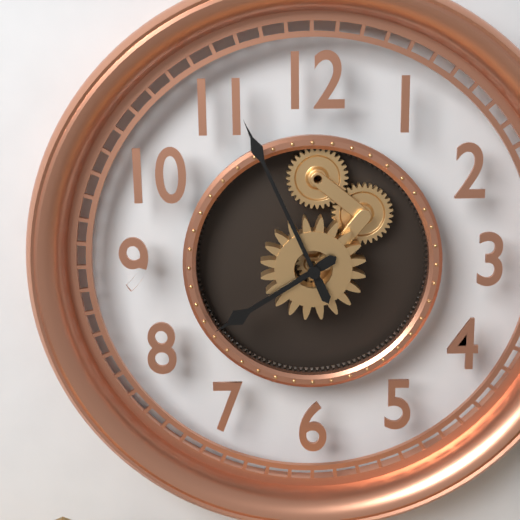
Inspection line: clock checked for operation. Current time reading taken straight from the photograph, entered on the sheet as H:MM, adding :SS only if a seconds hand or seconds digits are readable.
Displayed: 7:56
